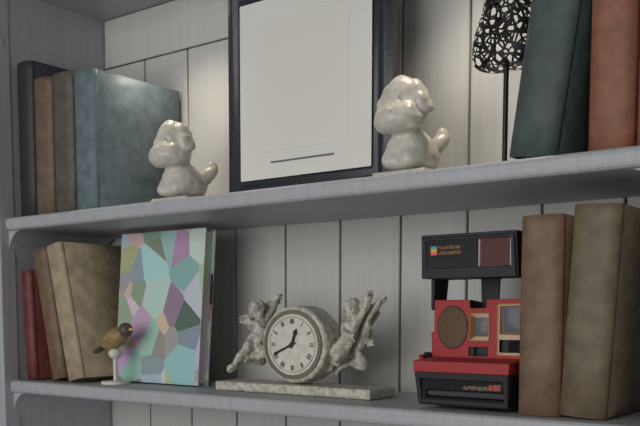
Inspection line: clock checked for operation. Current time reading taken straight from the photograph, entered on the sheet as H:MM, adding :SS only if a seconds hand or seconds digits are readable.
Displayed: 12:41
